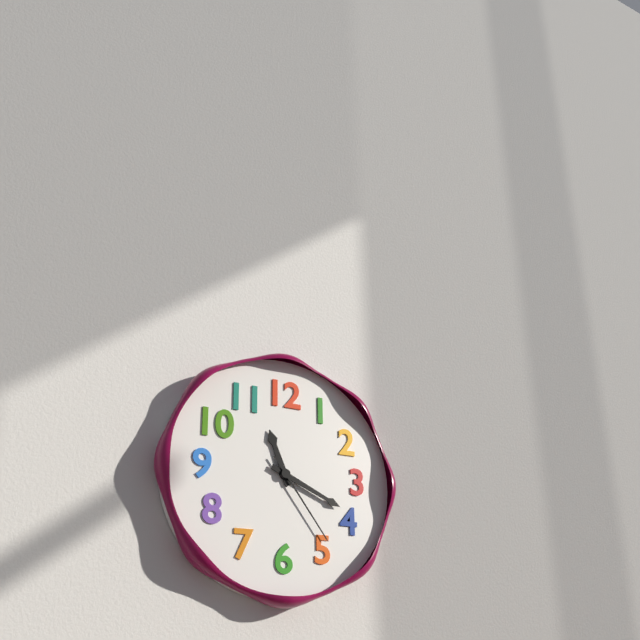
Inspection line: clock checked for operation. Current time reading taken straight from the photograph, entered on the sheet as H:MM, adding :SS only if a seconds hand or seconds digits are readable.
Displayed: 11:19:24
